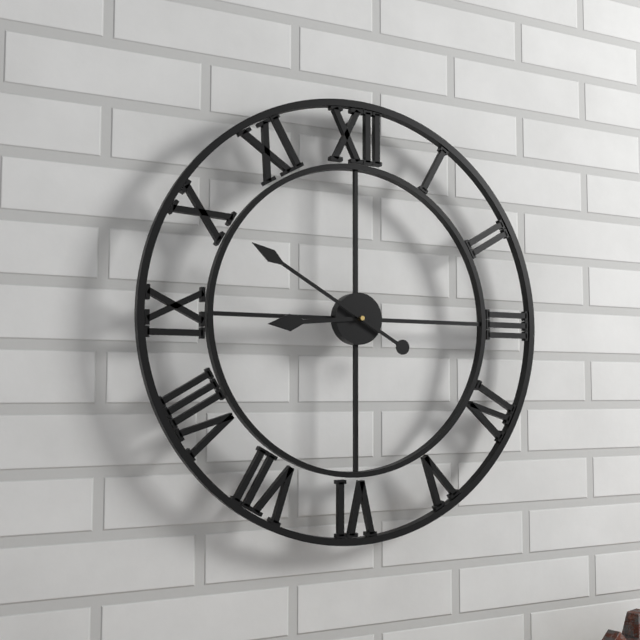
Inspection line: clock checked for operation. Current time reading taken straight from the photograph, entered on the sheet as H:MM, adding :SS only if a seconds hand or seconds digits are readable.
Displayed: 8:50
